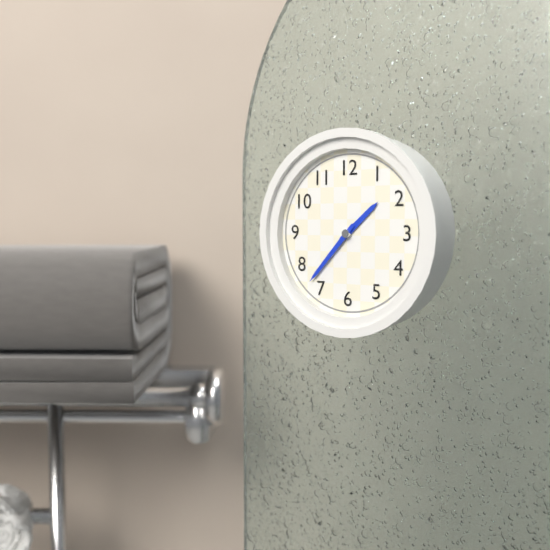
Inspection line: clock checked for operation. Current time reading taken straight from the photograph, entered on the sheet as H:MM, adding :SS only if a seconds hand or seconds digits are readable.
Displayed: 1:37
